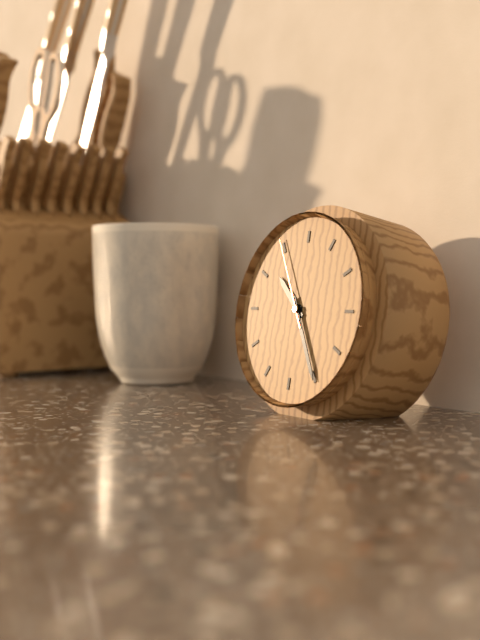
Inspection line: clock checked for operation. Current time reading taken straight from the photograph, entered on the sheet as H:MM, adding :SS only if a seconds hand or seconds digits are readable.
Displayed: 10:25:55
